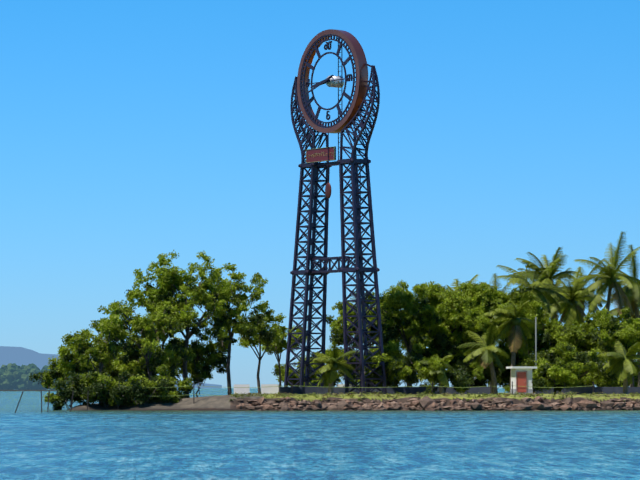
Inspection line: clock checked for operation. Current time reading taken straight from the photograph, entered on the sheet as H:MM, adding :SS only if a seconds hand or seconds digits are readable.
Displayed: 8:42
